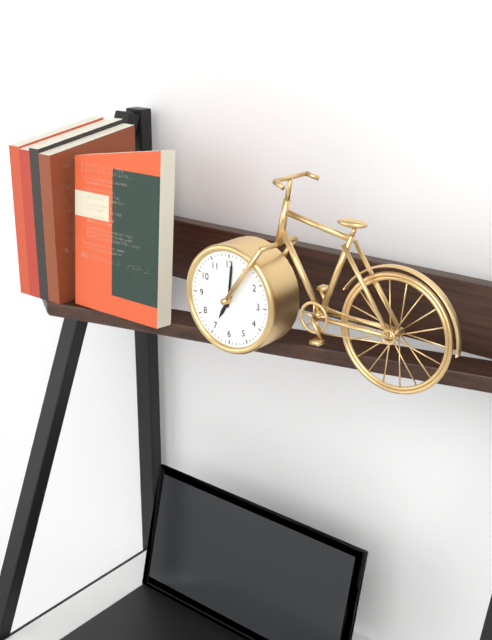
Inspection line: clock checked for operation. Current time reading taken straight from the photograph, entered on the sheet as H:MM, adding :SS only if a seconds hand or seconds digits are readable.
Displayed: 7:01
